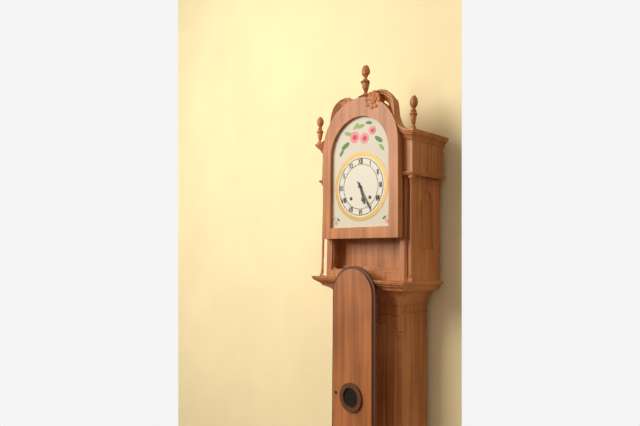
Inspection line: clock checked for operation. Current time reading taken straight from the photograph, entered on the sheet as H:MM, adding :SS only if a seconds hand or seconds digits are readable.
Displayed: 5:25
